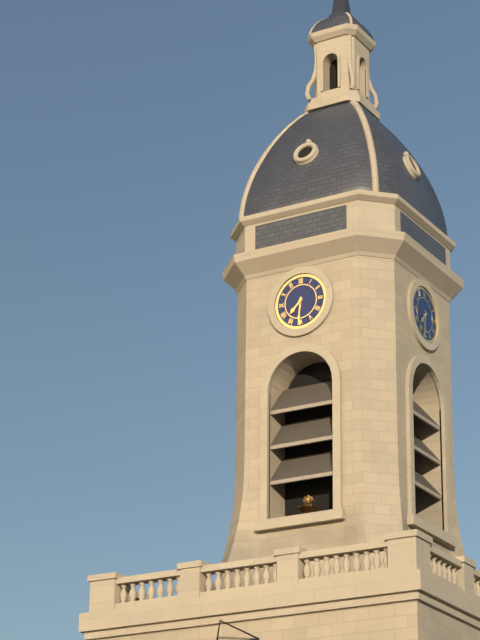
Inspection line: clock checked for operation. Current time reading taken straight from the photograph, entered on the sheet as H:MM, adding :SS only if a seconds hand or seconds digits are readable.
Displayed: 7:31
